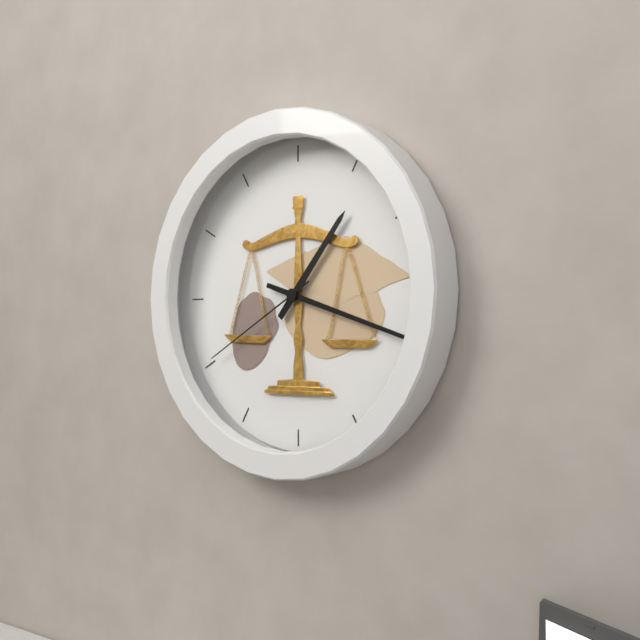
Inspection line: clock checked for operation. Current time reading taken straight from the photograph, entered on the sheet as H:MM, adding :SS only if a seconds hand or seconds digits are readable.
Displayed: 1:18:40
